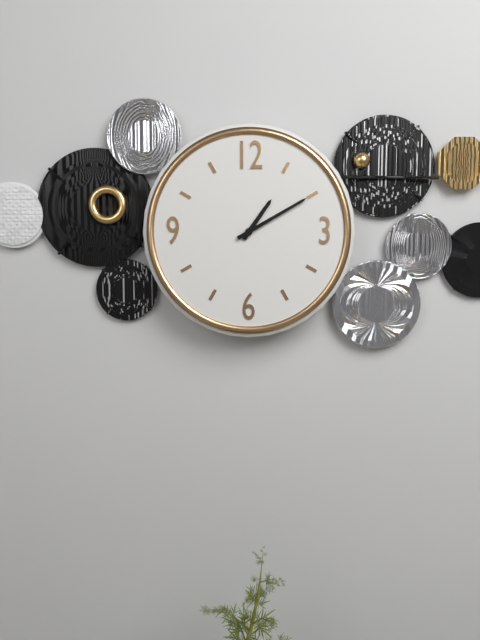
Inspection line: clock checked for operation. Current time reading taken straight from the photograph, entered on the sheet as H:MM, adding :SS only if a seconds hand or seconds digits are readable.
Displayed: 1:10
